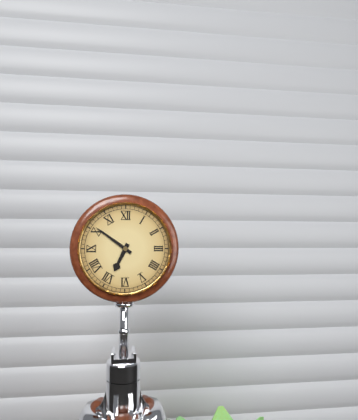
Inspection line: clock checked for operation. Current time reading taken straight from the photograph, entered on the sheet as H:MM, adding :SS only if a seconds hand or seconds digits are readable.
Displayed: 6:51
